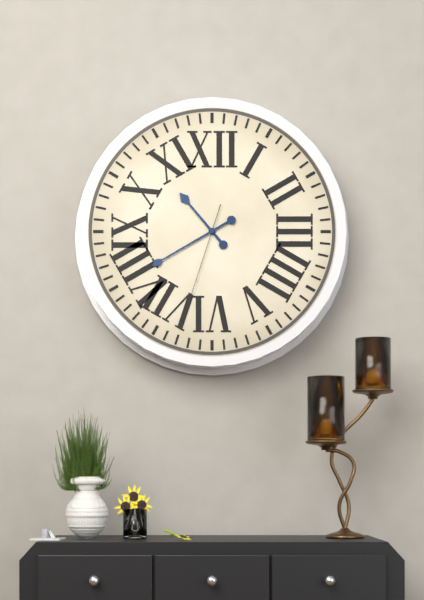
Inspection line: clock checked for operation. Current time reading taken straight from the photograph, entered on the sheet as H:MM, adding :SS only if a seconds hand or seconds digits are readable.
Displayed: 10:40:33
